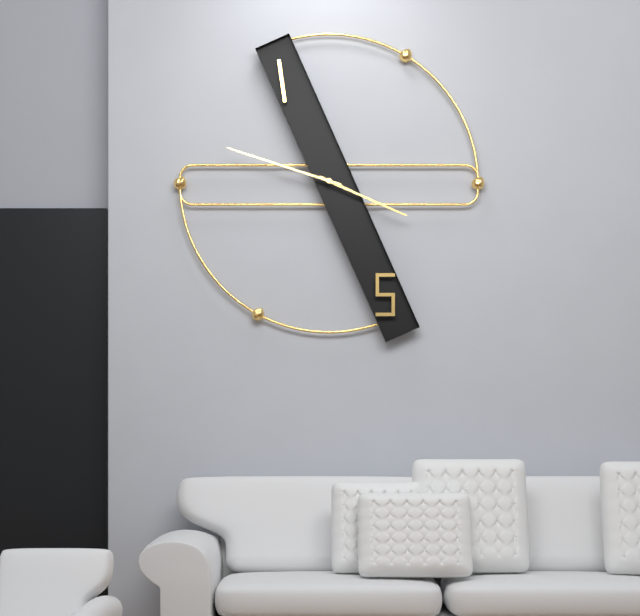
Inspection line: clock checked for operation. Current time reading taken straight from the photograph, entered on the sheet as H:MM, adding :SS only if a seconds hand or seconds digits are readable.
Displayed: 3:48
